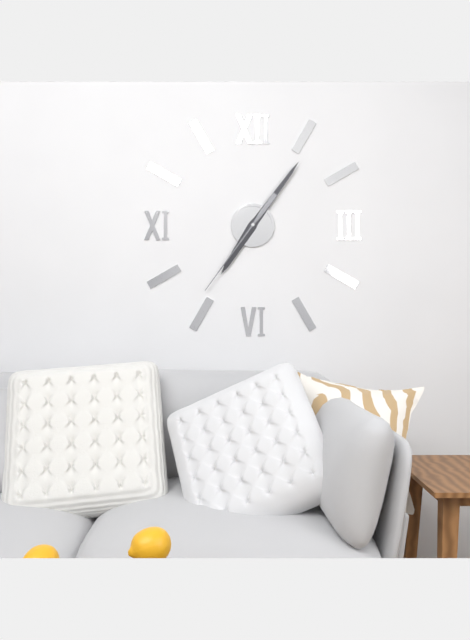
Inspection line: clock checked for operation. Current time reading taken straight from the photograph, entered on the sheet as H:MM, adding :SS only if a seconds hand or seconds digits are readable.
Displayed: 7:06:36
